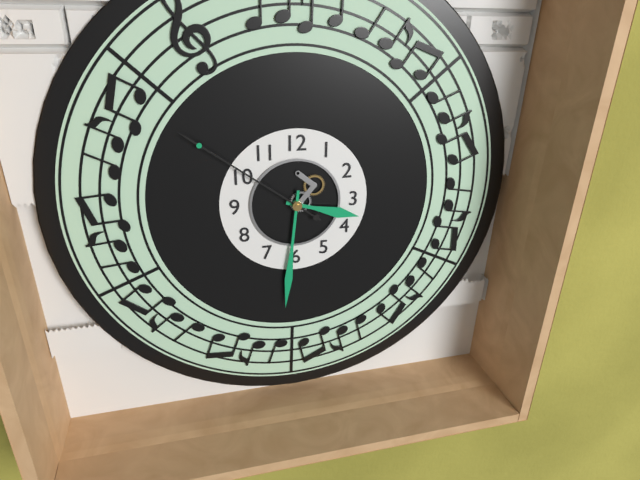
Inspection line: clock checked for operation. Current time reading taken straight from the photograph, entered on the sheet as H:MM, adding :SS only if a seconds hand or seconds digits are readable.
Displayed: 3:31:51
